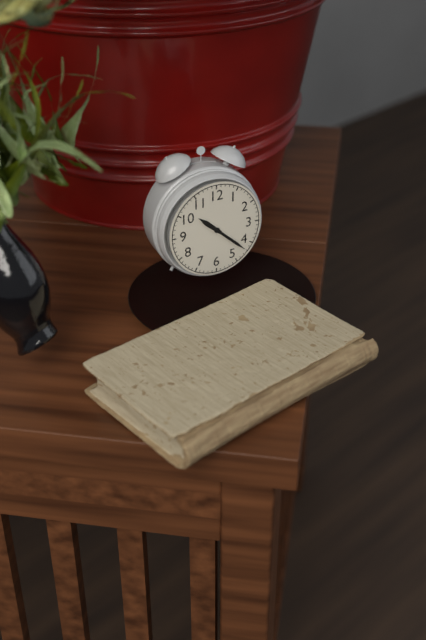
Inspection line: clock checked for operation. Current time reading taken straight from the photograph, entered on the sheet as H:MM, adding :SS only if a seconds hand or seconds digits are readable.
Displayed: 10:22
